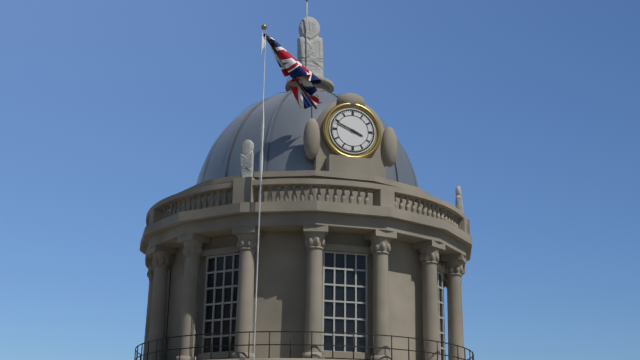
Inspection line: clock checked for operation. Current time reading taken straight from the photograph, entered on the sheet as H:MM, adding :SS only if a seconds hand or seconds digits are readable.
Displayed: 3:49
